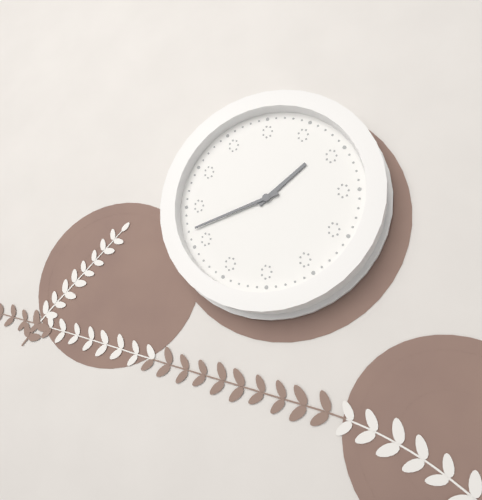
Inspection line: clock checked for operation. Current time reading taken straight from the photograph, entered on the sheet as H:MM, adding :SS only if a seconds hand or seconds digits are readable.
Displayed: 1:42
